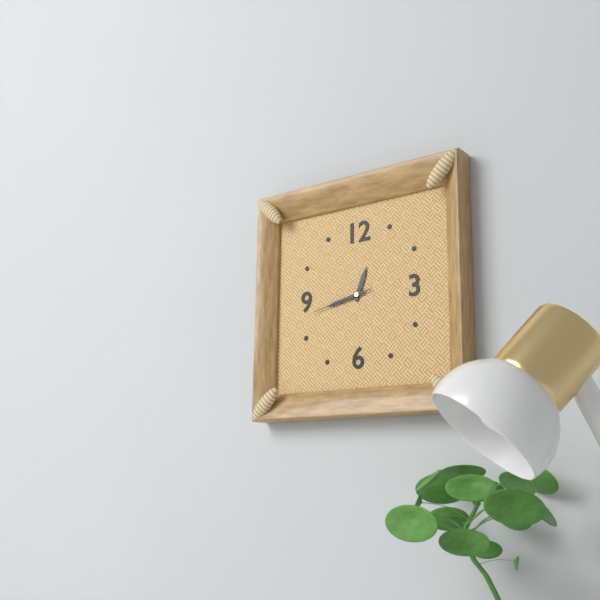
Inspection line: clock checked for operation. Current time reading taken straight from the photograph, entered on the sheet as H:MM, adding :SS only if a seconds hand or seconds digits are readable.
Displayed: 12:43:43
